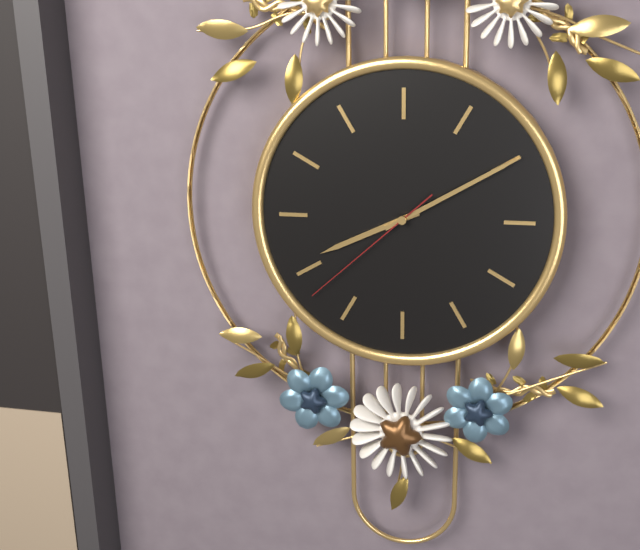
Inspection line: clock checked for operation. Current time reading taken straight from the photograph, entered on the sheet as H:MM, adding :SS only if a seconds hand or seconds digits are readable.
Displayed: 8:10:38
